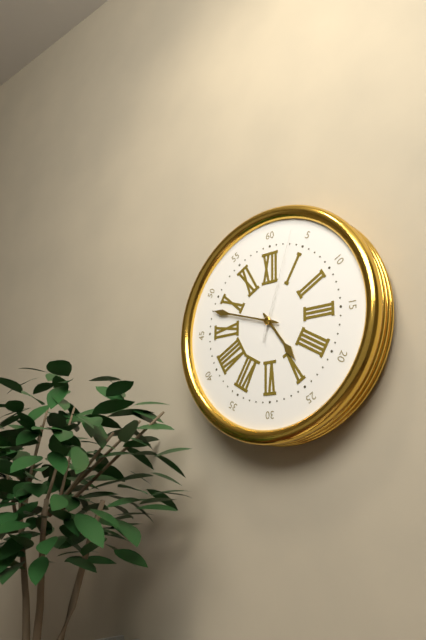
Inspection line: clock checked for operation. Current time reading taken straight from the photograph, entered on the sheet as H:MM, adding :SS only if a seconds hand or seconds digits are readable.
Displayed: 4:48:03
